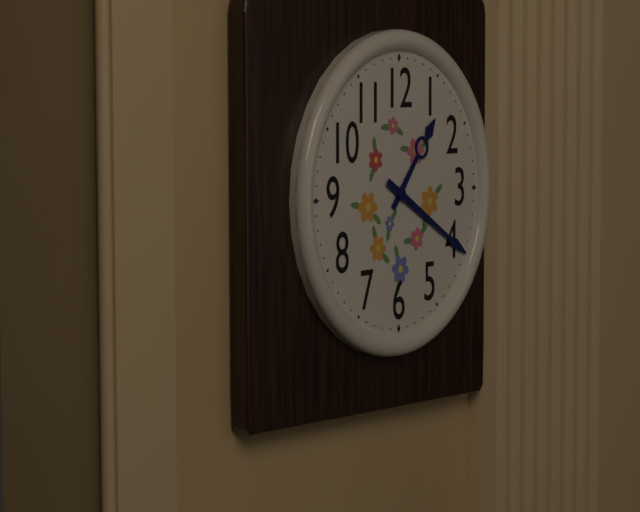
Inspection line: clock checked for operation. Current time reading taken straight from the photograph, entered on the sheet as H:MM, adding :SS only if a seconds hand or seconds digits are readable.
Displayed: 1:20
